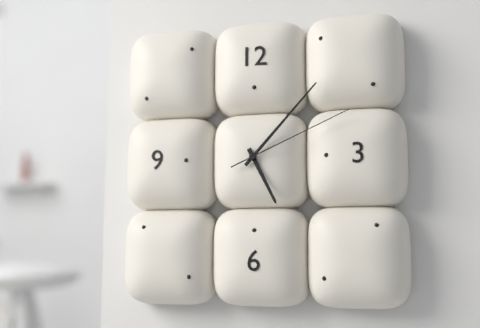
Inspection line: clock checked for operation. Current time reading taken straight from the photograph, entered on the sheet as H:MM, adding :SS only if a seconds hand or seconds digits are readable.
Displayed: 5:07:11
